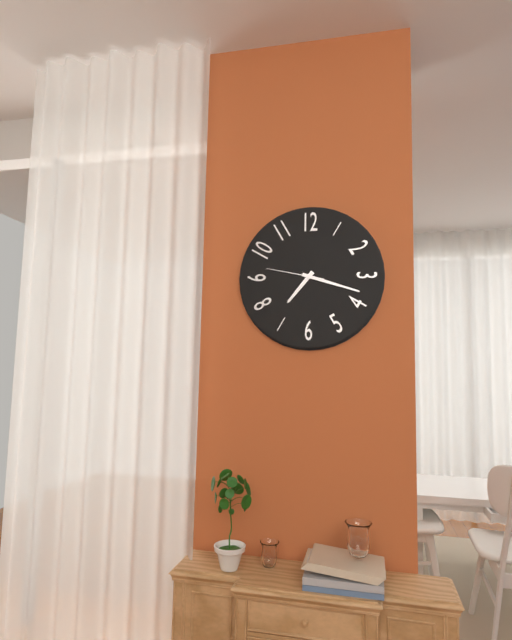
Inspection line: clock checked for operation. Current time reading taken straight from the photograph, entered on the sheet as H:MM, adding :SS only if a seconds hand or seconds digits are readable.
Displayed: 7:18:47
